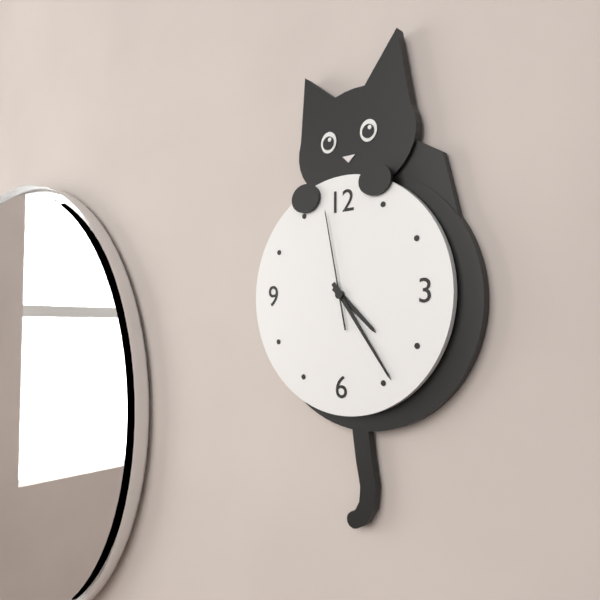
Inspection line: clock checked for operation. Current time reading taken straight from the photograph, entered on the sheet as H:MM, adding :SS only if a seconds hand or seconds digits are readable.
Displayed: 4:24:58
